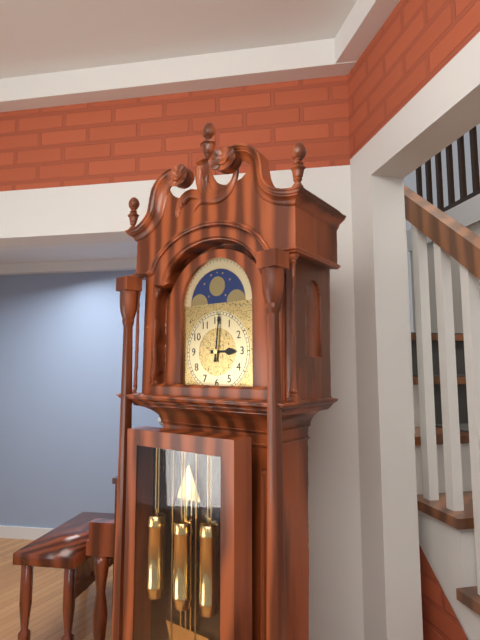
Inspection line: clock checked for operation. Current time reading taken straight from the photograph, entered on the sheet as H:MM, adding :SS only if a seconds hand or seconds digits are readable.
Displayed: 3:01
